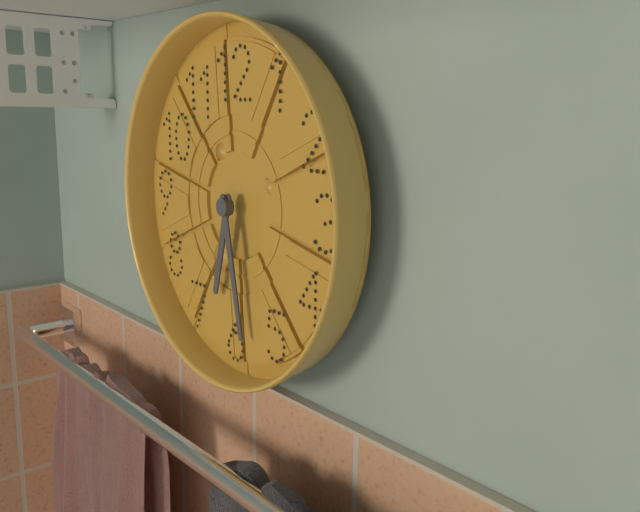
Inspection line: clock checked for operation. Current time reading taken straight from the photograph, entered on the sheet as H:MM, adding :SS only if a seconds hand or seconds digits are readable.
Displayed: 6:28
